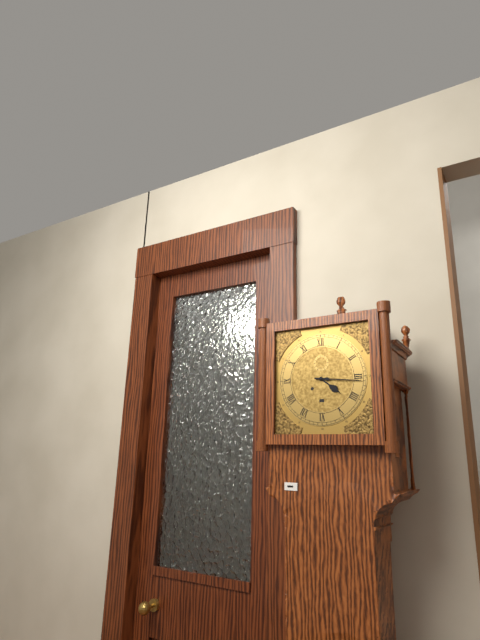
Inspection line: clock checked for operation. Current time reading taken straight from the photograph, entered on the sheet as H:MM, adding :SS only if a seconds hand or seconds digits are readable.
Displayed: 4:16
